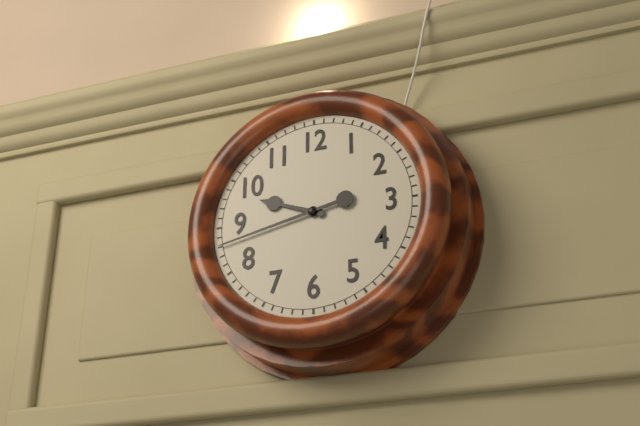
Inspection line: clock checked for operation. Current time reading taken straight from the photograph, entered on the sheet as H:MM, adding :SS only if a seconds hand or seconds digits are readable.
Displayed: 9:43
